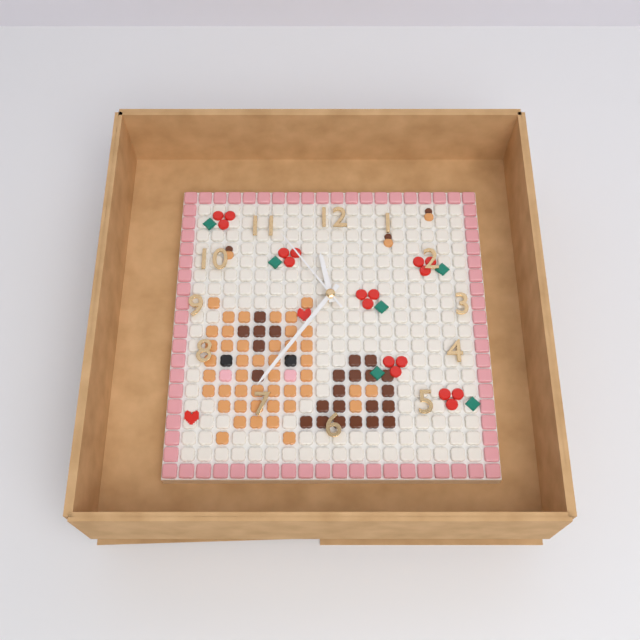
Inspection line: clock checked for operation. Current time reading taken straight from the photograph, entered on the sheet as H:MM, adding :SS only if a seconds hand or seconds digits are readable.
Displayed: 11:36:54
